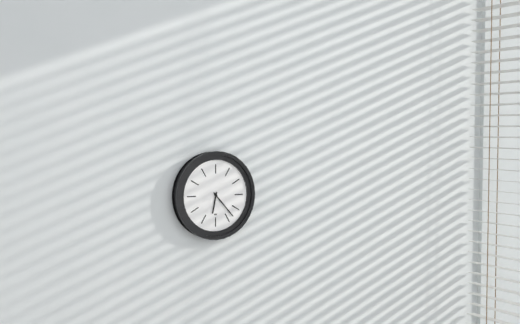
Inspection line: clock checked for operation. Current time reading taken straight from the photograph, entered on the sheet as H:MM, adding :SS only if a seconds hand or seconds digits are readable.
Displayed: 6:23
